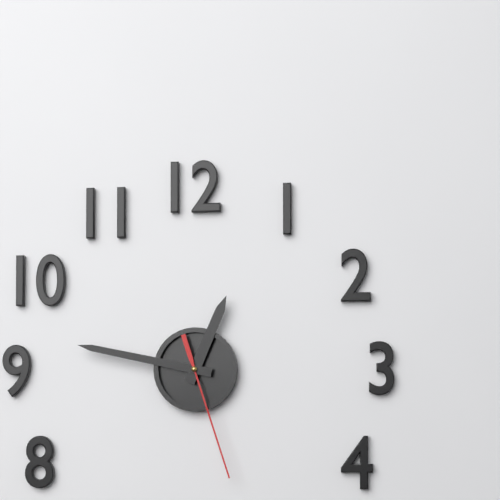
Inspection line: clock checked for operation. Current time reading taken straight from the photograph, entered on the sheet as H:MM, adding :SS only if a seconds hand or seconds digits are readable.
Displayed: 12:47:27
